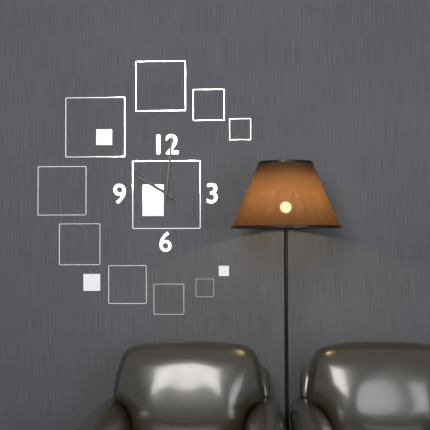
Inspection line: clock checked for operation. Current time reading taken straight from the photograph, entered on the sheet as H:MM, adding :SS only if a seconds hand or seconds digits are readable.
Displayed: 10:01:51
